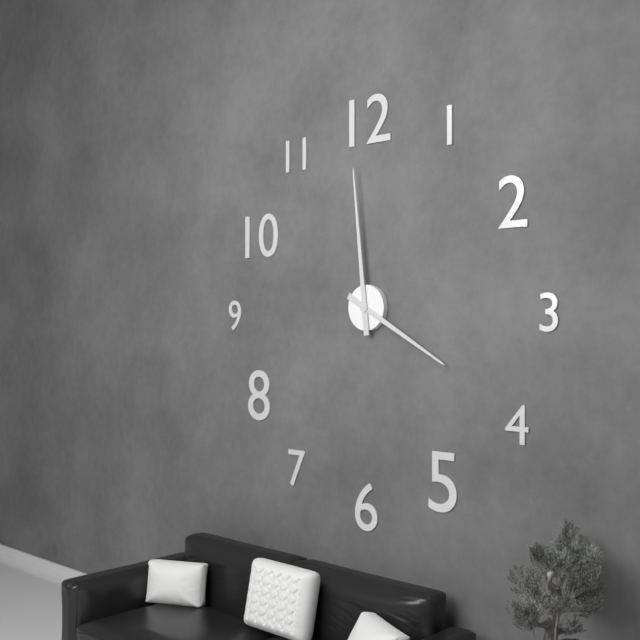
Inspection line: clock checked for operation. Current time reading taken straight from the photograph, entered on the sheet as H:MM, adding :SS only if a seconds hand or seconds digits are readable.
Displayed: 3:59
